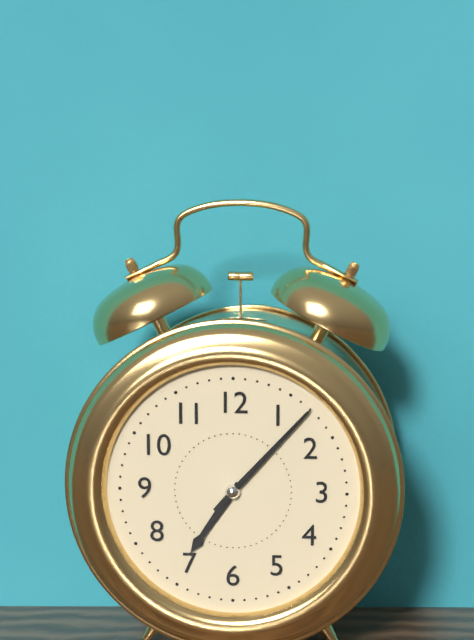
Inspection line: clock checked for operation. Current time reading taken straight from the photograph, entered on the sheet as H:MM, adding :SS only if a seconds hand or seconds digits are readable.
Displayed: 7:07
